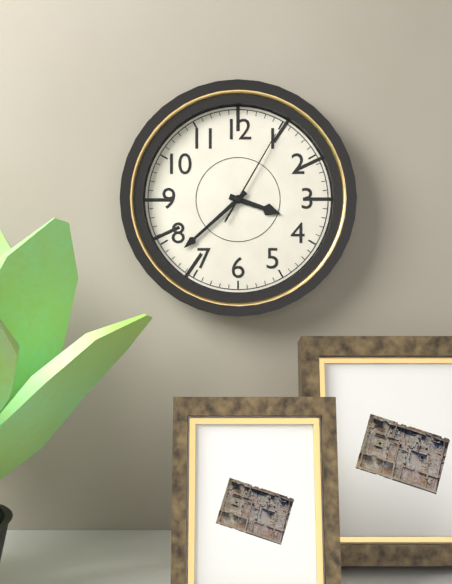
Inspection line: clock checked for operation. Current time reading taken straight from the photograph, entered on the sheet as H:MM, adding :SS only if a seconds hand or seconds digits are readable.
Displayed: 3:38:05
